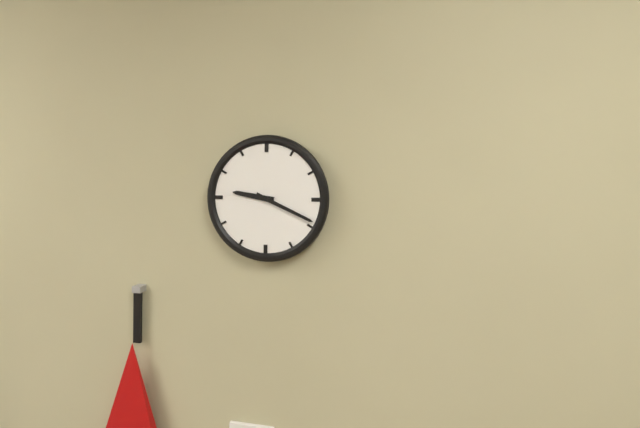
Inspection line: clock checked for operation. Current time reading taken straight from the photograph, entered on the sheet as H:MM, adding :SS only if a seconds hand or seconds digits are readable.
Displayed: 9:19
